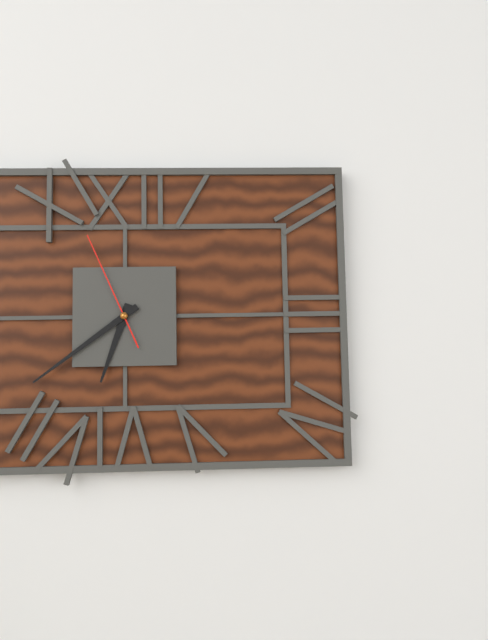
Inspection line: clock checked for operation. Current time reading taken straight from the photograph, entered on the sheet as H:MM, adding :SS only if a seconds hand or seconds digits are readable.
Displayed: 6:39:56
